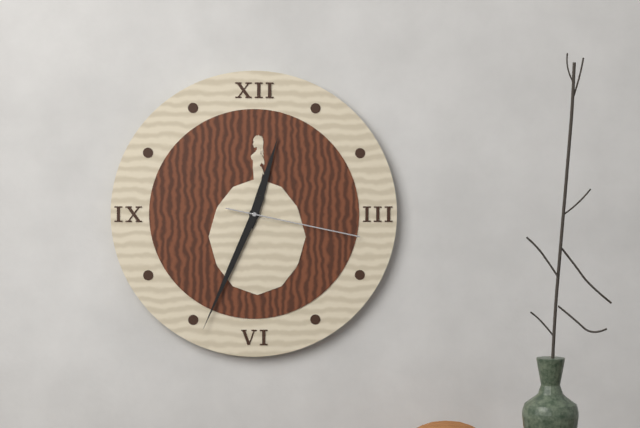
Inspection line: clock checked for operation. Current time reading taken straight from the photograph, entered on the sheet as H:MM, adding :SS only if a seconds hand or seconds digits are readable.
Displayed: 12:34:17
